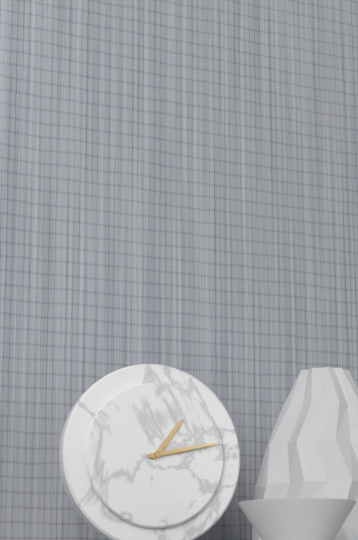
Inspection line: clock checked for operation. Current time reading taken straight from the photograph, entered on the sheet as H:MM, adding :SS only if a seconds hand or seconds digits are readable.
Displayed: 1:13
